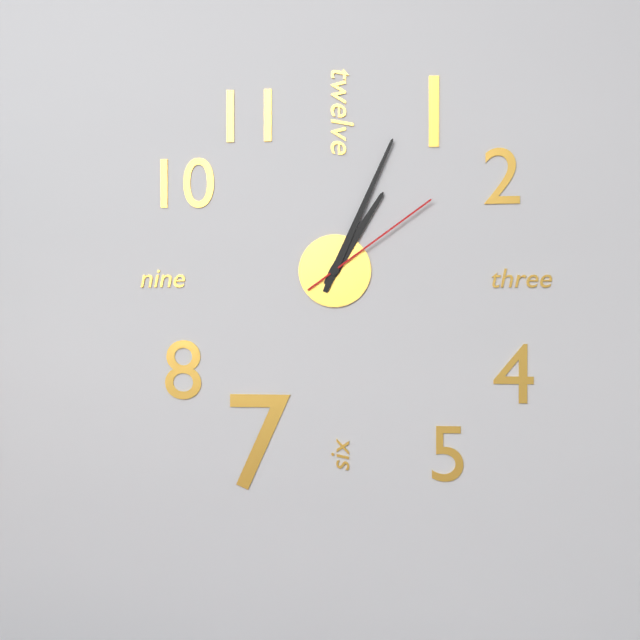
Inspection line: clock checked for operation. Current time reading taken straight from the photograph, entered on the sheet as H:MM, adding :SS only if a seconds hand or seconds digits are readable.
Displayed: 1:04:09
